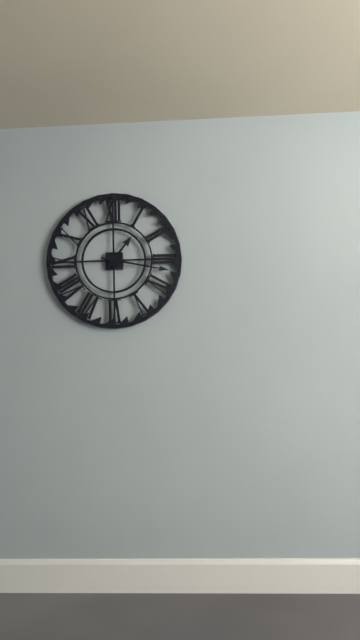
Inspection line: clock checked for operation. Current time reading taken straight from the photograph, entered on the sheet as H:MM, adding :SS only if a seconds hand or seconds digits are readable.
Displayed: 1:17
